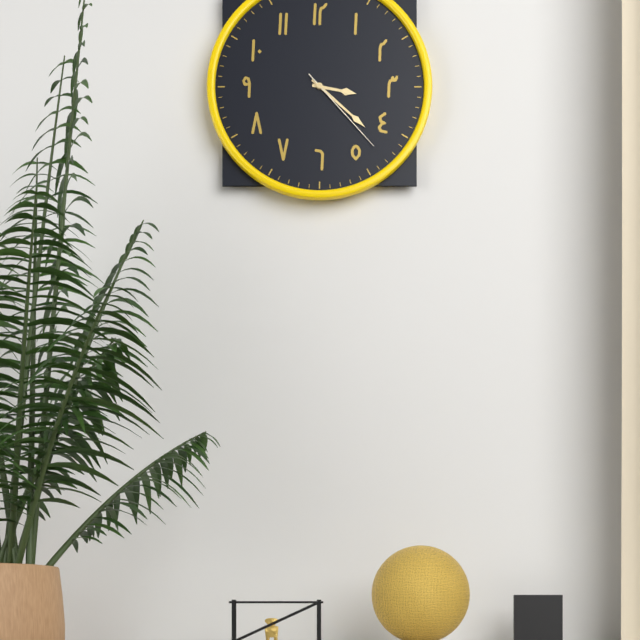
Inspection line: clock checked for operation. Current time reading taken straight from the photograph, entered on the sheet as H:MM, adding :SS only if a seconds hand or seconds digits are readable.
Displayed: 3:22:23
